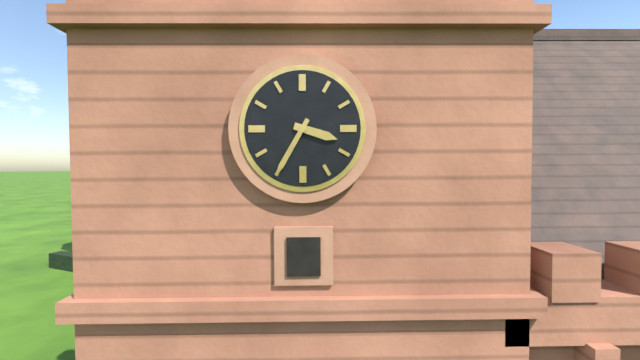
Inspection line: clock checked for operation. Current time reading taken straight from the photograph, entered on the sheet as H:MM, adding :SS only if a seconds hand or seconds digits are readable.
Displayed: 3:35
